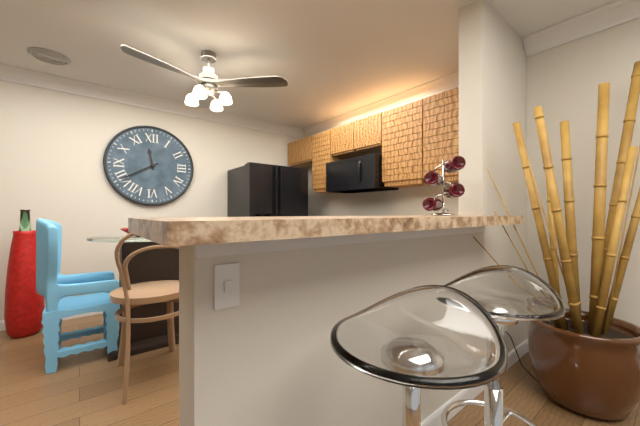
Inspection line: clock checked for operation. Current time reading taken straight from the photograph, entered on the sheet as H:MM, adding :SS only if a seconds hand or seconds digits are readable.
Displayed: 11:40
